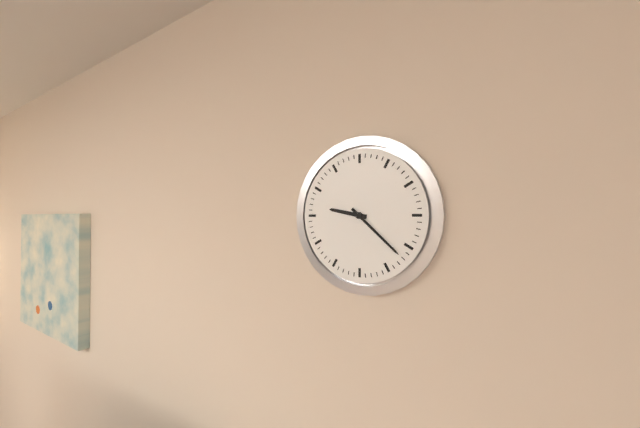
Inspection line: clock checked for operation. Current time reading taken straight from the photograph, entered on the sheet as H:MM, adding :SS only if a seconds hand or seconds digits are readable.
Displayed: 9:22
